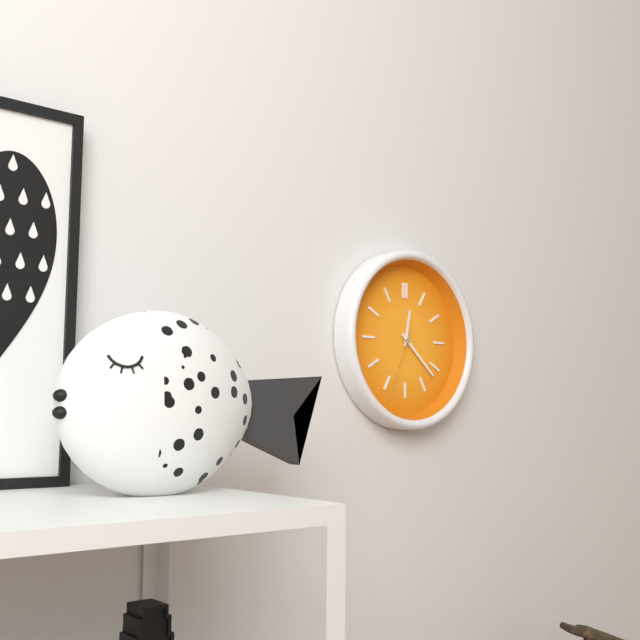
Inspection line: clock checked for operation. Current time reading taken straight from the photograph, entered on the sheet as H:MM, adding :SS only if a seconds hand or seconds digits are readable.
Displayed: 12:22:34
